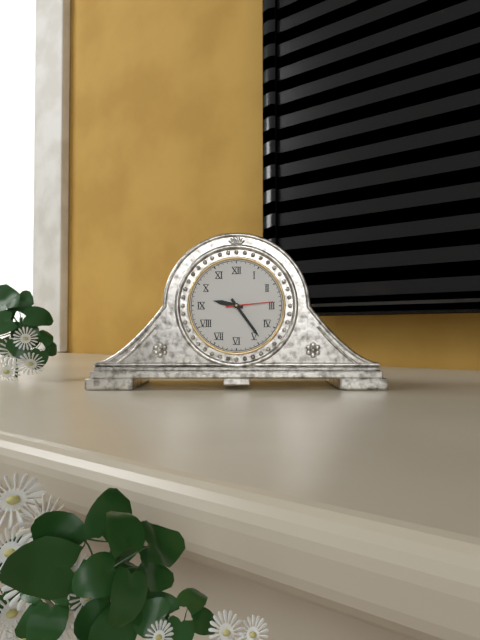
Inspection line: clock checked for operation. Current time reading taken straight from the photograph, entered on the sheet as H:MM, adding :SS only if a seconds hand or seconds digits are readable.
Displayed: 9:24
